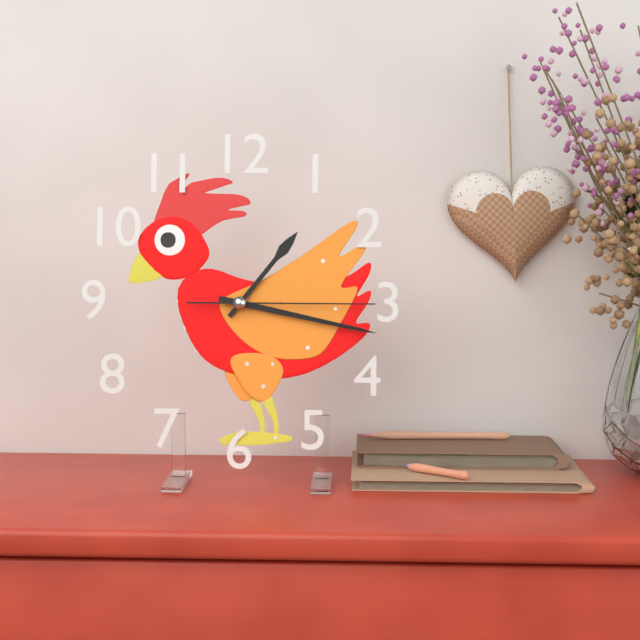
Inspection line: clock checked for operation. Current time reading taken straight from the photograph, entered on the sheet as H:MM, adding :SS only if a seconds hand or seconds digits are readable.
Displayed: 1:17:15
